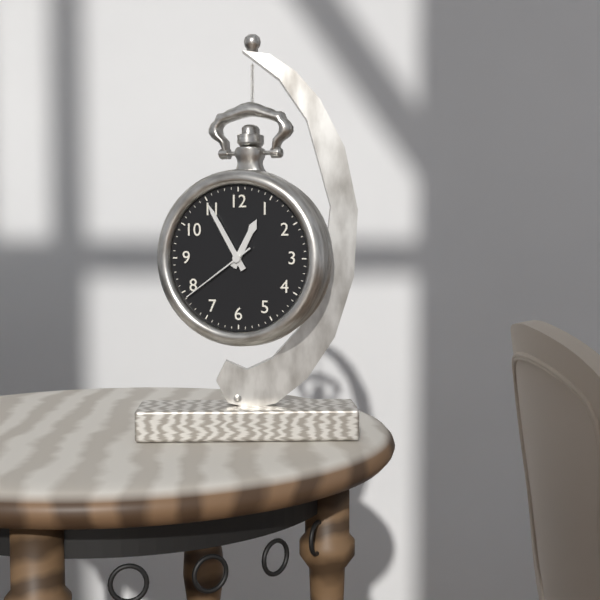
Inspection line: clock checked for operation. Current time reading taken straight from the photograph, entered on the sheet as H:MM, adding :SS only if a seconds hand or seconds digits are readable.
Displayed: 12:55:39
